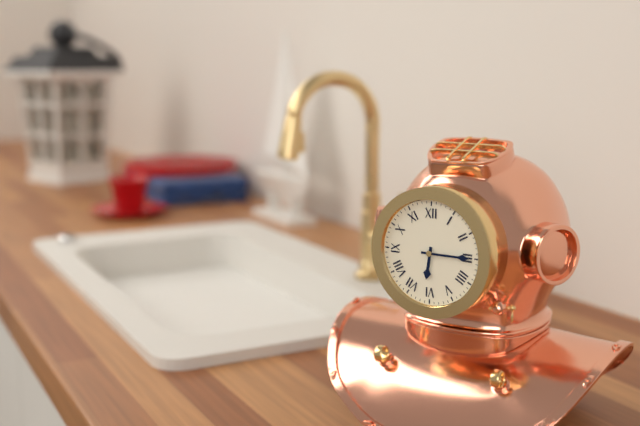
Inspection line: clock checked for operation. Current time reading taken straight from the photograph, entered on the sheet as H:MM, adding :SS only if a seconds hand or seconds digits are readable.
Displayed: 6:15
